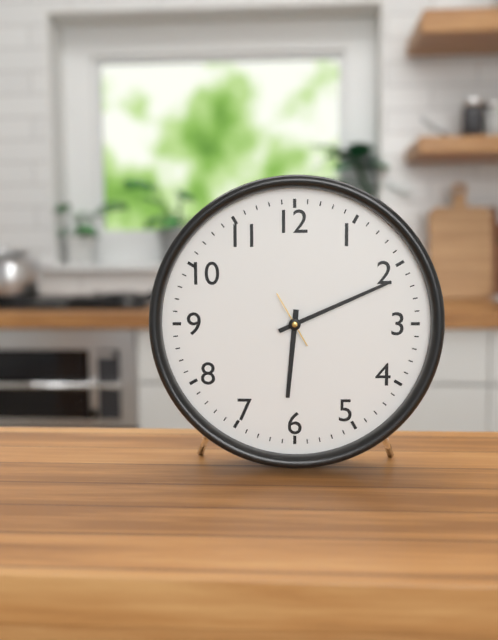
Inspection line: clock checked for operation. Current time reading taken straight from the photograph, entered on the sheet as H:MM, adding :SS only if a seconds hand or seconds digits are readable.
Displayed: 6:11
